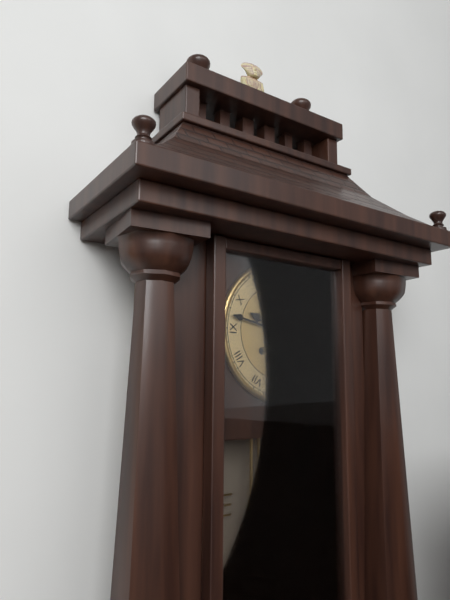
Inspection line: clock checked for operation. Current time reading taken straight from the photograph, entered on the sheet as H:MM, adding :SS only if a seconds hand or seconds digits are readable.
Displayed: 9:47
